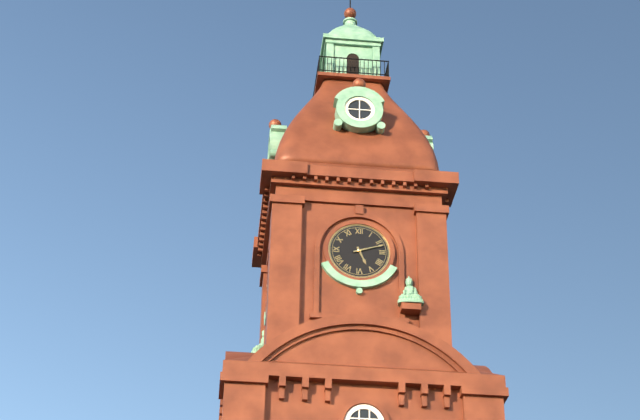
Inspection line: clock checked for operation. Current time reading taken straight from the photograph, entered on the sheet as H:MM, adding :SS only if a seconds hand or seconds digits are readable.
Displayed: 5:12
